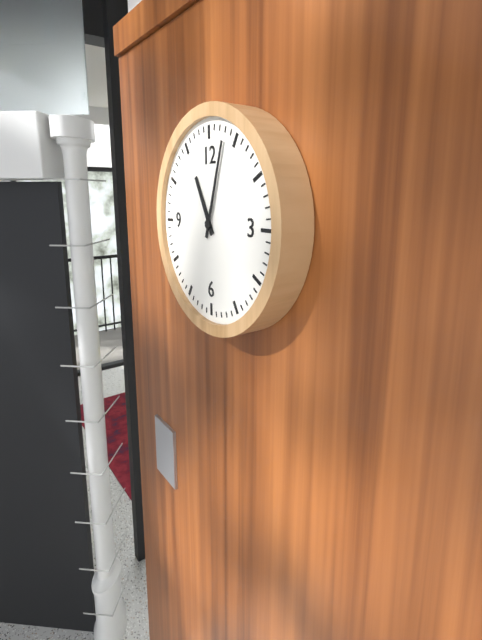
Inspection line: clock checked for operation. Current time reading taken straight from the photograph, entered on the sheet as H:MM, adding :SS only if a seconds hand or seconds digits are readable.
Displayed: 11:03
